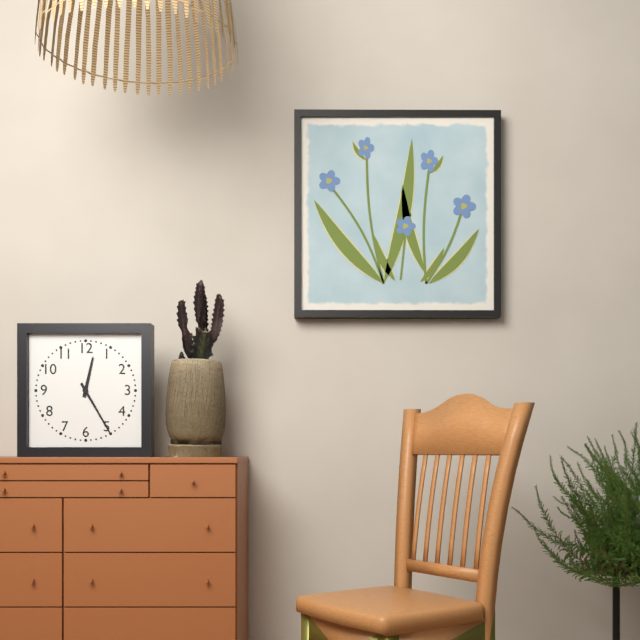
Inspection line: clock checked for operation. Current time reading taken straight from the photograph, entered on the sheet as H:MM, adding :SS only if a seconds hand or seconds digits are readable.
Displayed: 12:25
